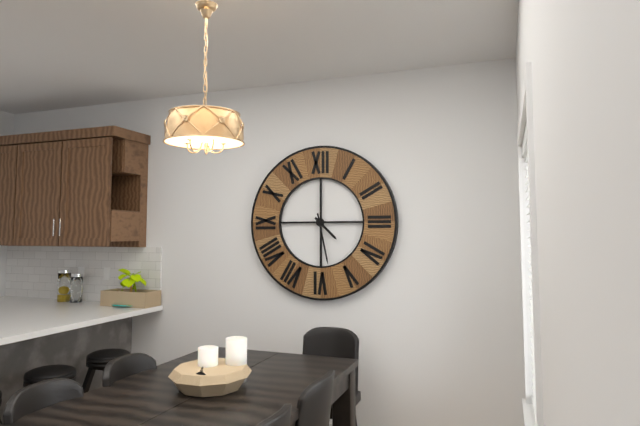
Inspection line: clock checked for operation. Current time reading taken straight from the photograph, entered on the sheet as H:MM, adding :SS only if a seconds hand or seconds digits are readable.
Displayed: 4:28
